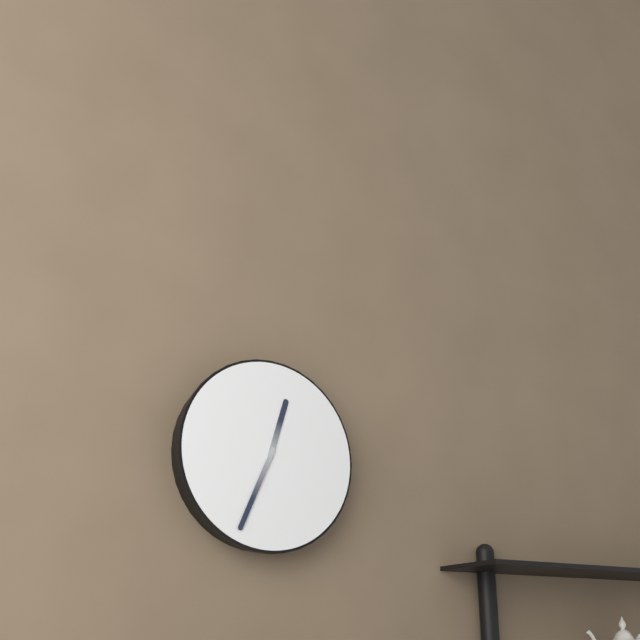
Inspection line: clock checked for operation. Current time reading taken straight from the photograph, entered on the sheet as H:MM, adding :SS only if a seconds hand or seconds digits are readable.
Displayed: 12:34
